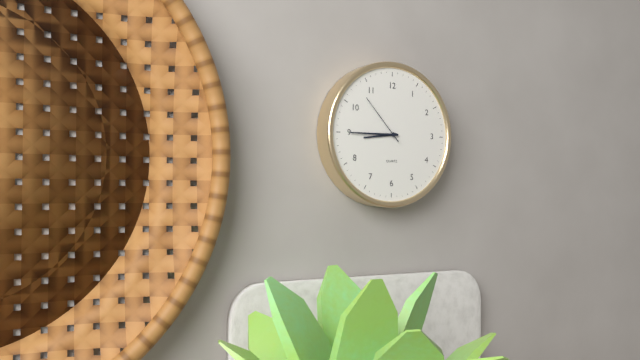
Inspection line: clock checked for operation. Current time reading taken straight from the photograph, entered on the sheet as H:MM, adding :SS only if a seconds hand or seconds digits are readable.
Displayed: 8:45:53
